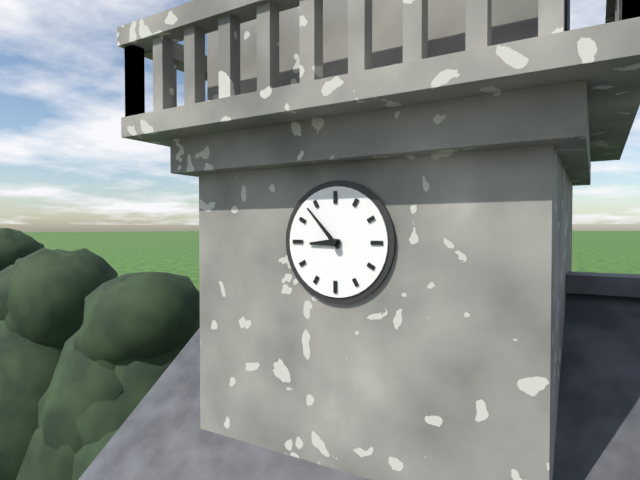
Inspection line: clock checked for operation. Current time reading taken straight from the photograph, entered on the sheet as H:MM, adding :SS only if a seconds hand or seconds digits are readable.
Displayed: 8:53
